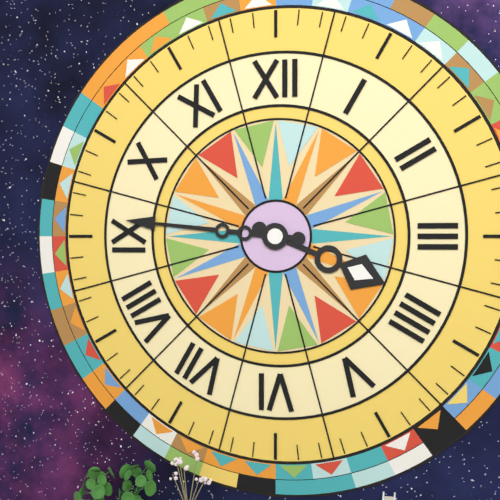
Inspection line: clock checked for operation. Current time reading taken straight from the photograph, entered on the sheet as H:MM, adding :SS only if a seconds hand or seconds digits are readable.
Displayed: 3:46
